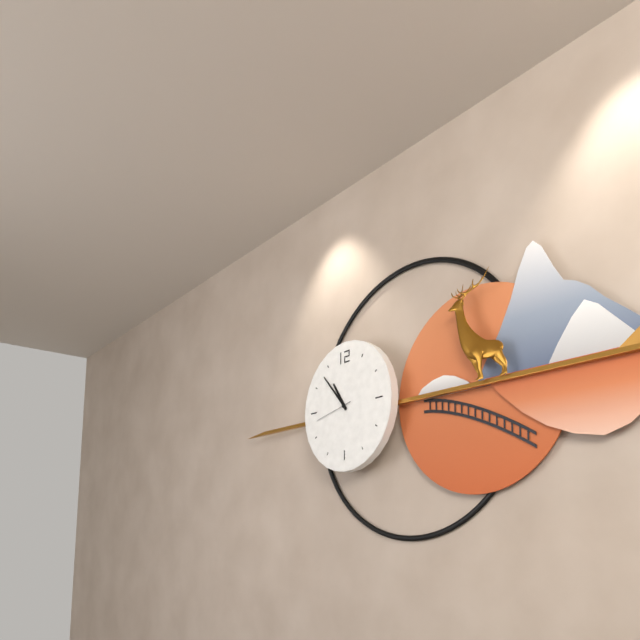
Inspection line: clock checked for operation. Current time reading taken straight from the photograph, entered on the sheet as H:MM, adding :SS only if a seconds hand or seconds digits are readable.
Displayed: 10:53
